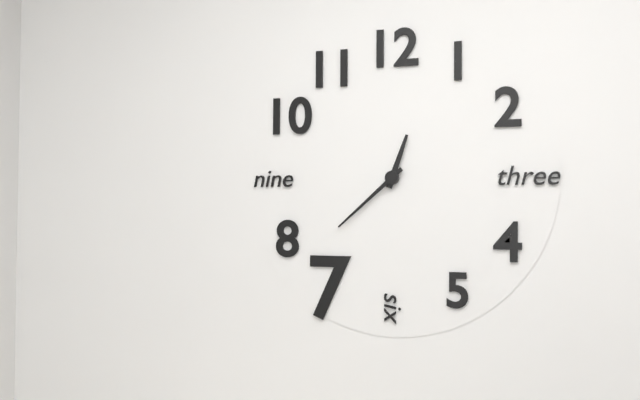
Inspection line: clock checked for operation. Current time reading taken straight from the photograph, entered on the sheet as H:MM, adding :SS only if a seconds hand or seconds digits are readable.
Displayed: 12:38
